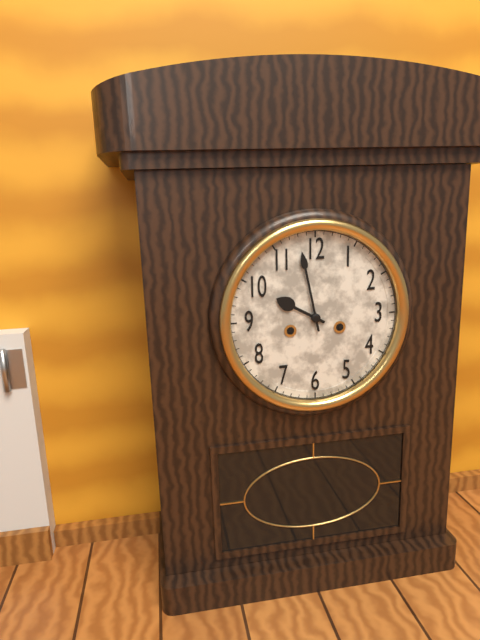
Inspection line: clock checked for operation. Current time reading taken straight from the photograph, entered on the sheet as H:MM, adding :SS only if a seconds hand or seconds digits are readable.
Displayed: 9:58
